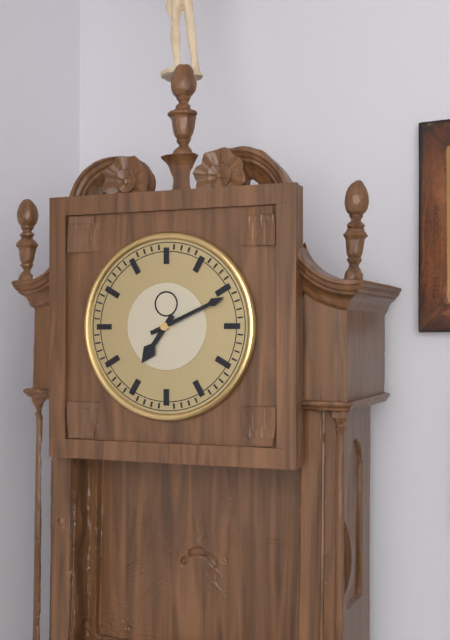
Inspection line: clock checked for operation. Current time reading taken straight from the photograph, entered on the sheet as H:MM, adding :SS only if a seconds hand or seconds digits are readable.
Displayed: 7:11
